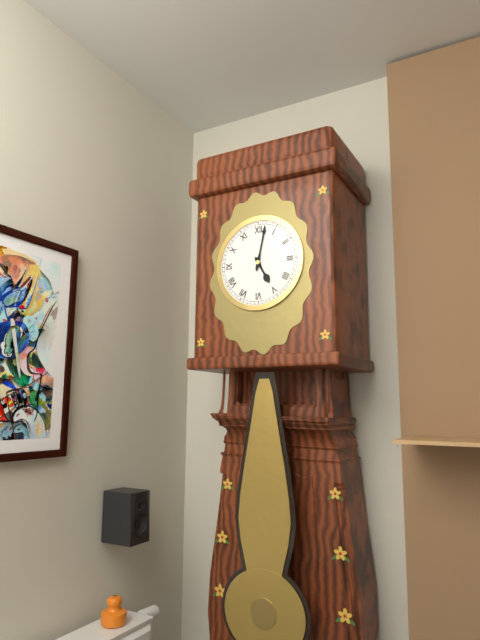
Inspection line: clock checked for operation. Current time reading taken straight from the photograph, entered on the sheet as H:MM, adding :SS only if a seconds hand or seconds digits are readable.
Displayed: 5:02
